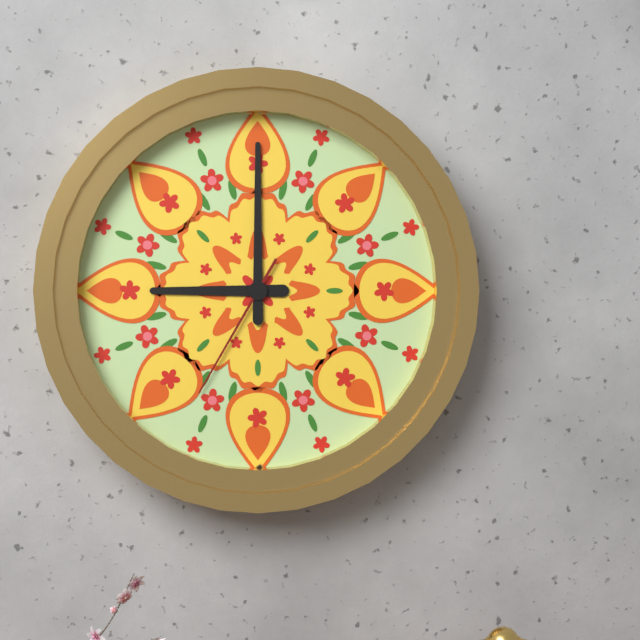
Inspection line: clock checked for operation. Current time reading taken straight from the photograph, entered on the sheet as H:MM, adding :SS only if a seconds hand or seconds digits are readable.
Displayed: 9:00:35
